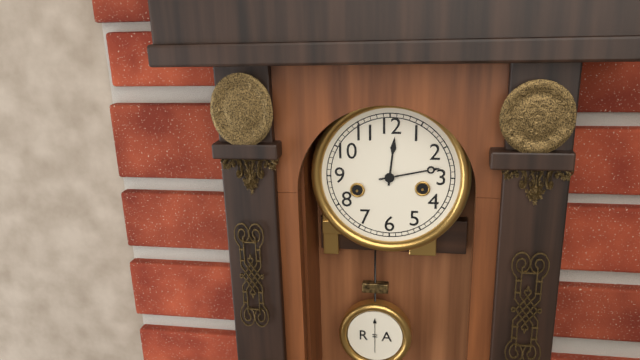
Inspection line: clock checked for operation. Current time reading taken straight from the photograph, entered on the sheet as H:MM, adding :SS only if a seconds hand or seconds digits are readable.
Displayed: 12:13
